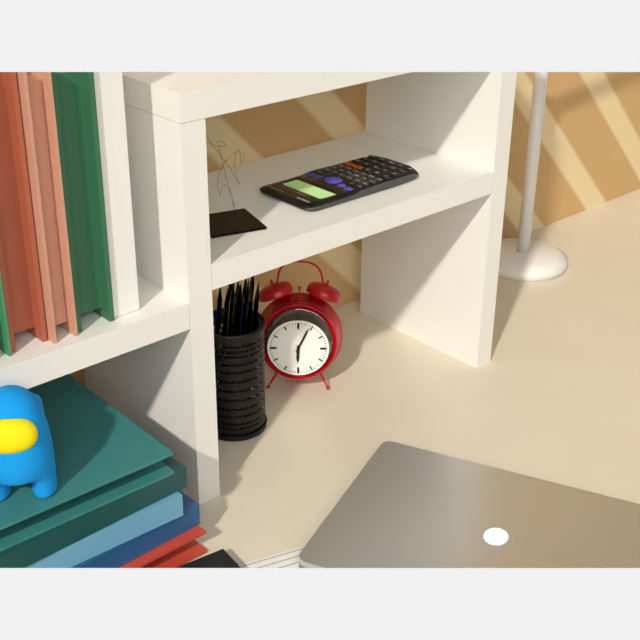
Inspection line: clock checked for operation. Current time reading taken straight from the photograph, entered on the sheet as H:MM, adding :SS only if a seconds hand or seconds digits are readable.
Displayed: 6:04
